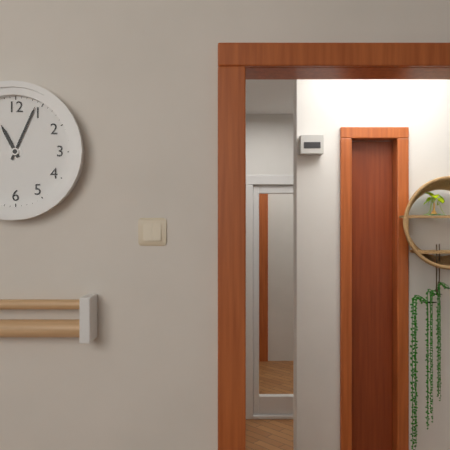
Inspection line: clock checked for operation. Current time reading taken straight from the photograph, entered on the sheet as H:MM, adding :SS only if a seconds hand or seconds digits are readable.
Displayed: 11:04
